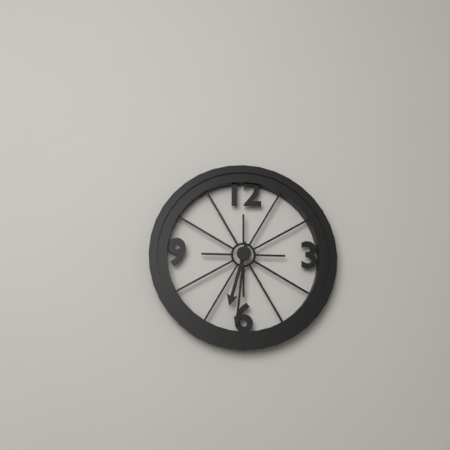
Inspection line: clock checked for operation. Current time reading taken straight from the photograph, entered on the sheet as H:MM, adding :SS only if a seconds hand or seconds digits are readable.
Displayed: 6:31
